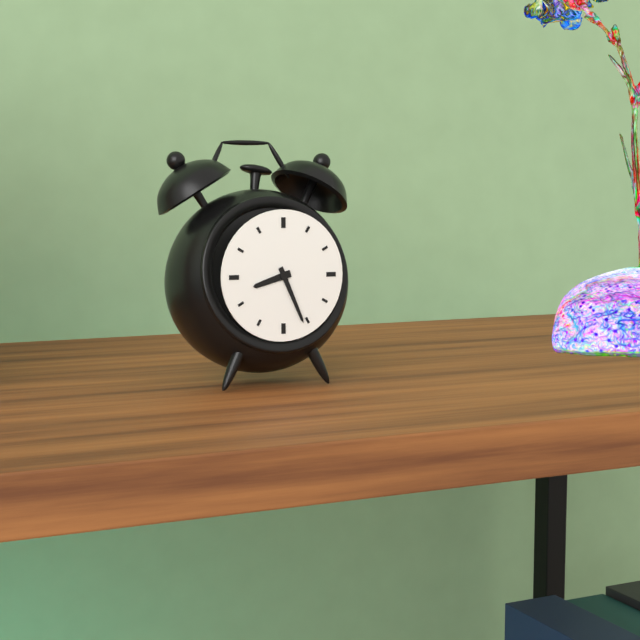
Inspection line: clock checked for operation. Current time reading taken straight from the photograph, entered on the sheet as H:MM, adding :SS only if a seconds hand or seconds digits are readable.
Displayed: 8:26
